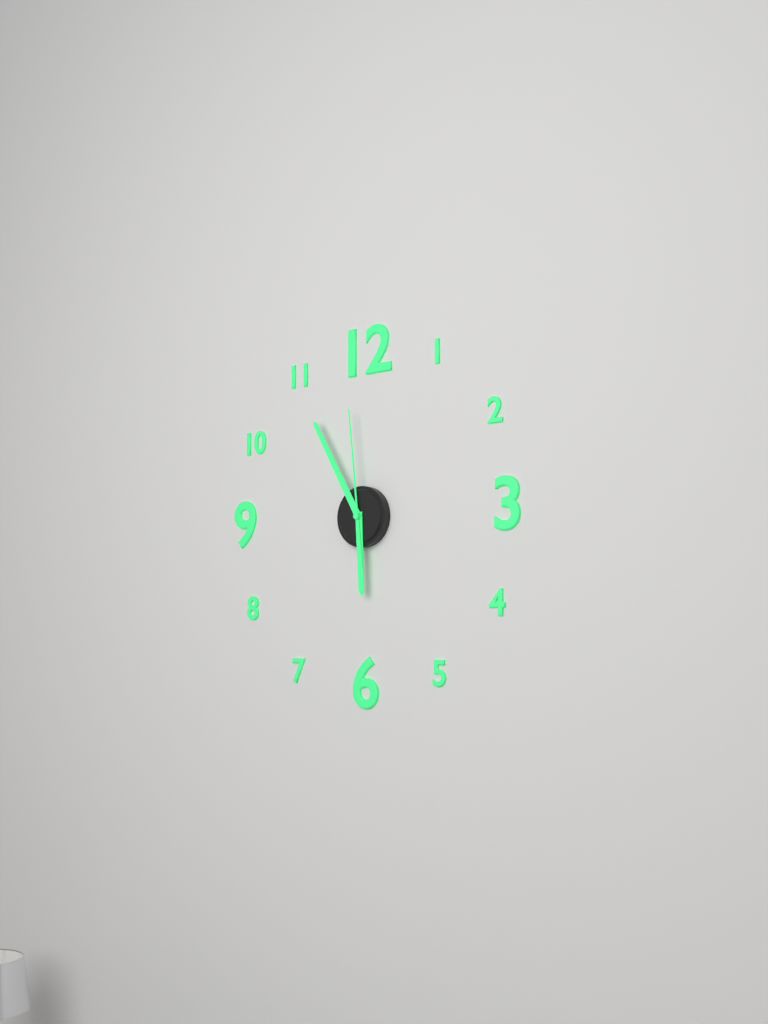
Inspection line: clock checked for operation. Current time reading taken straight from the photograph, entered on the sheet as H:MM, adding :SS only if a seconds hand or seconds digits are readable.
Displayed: 5:55:59
